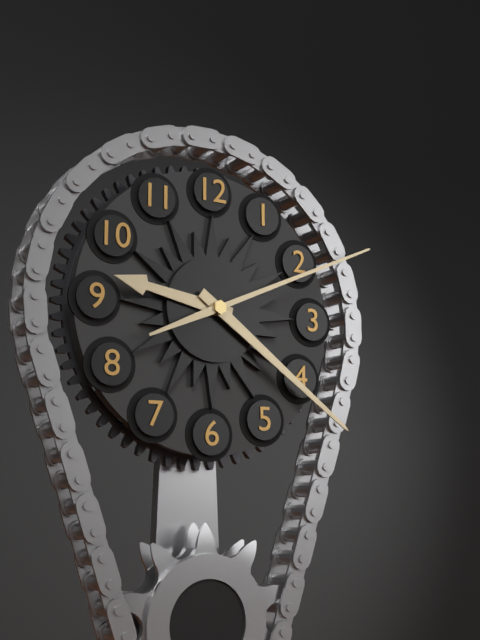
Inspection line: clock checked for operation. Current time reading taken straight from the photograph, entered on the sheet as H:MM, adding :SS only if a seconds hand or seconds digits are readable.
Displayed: 9:21:11
